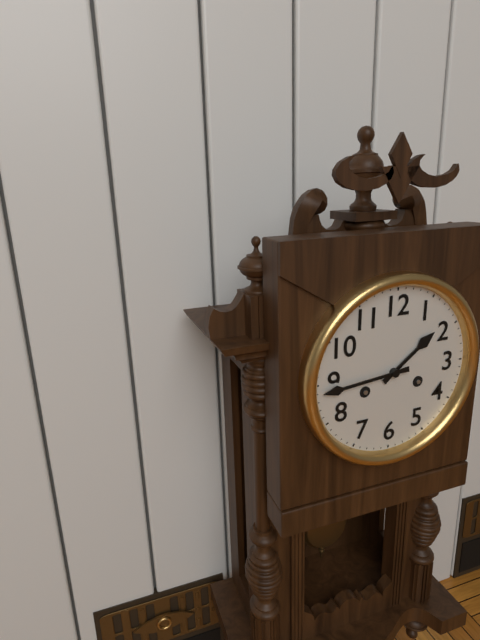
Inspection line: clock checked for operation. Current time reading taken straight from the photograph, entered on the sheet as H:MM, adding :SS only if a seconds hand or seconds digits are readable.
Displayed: 1:44
